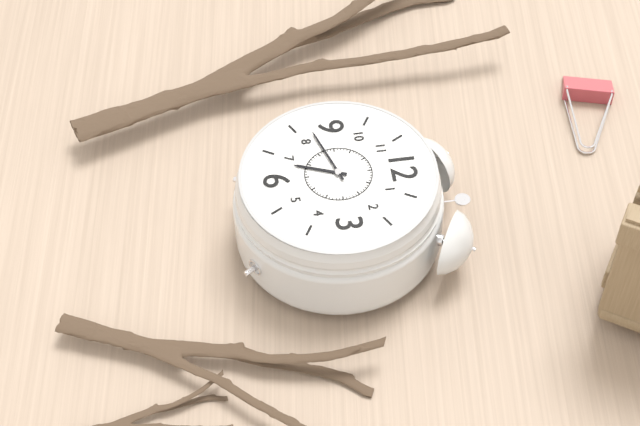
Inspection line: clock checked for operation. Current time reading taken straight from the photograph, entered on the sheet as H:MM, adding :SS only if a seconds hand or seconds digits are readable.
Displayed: 6:42
